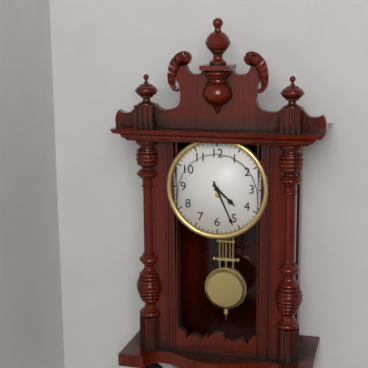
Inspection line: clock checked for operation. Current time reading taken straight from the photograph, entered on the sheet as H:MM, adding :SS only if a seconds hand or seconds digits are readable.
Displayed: 4:26
